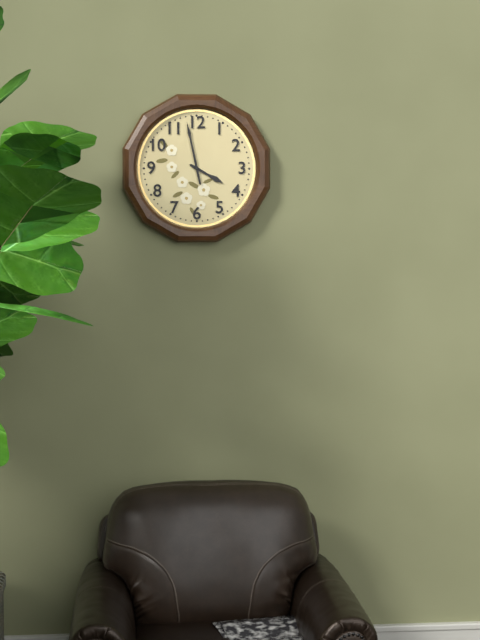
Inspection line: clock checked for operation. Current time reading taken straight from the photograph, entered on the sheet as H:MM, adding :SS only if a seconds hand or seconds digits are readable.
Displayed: 3:58
